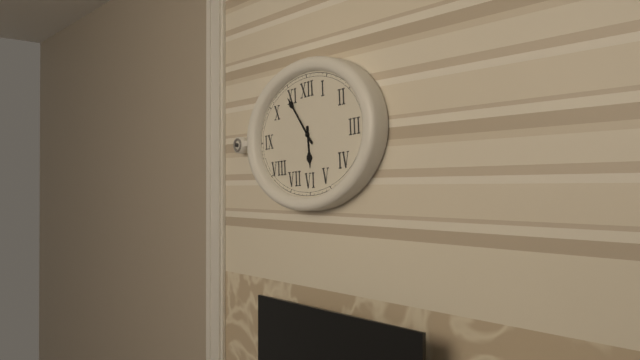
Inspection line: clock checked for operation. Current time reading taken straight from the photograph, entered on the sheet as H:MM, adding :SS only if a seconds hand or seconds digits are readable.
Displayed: 5:54
